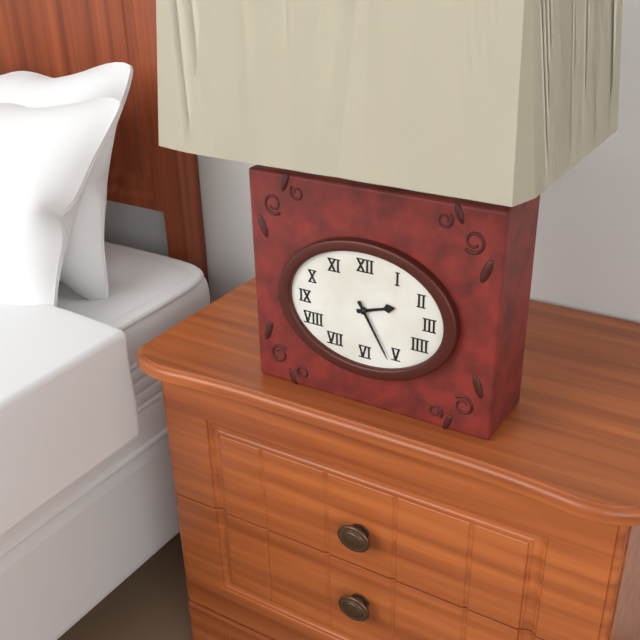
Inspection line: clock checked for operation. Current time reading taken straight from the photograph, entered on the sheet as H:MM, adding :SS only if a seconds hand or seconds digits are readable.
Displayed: 2:25
